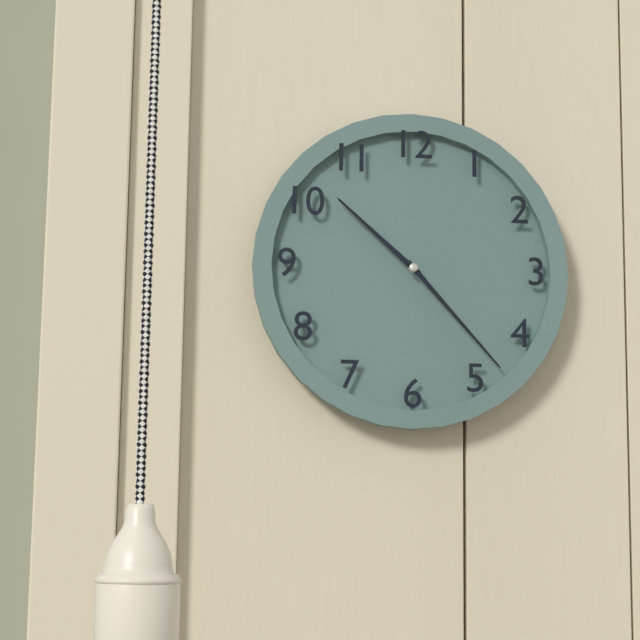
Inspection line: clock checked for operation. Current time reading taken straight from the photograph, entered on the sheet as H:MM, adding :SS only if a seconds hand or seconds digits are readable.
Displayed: 10:23
